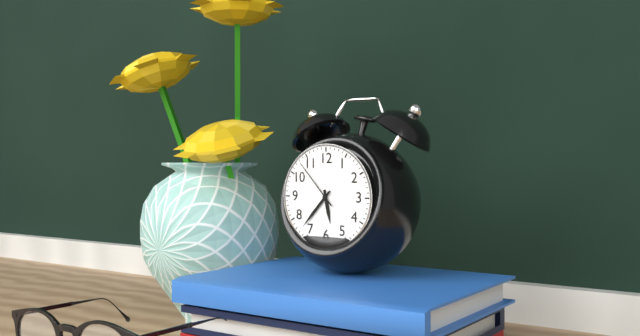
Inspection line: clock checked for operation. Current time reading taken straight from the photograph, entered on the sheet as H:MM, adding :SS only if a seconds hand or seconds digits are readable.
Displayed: 5:37:53
